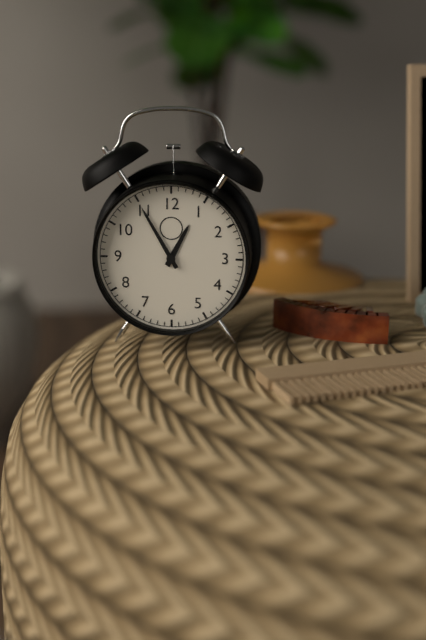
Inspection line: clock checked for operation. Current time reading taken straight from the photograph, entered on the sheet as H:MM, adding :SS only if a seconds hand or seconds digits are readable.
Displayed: 12:55
